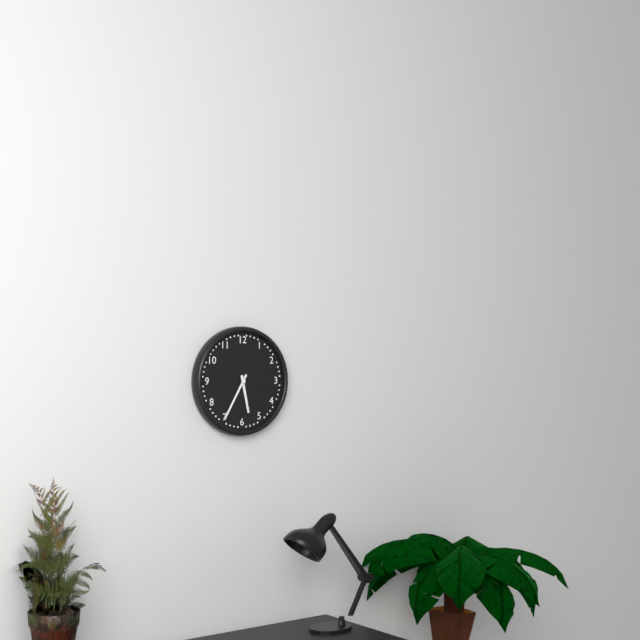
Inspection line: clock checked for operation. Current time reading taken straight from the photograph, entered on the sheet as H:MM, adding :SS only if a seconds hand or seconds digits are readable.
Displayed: 5:35
